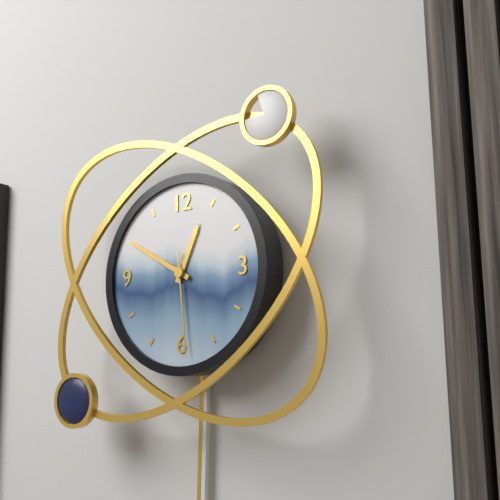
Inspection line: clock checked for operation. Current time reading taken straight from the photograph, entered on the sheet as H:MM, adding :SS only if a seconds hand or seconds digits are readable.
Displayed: 12:50:29
